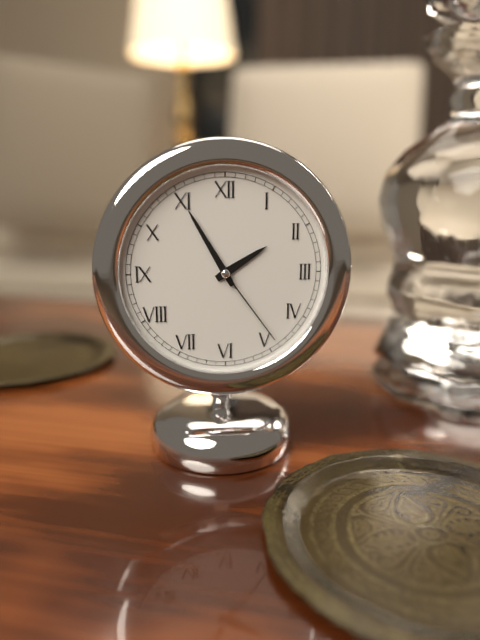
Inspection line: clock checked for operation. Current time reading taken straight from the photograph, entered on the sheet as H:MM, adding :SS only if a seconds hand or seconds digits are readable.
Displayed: 1:55:24
